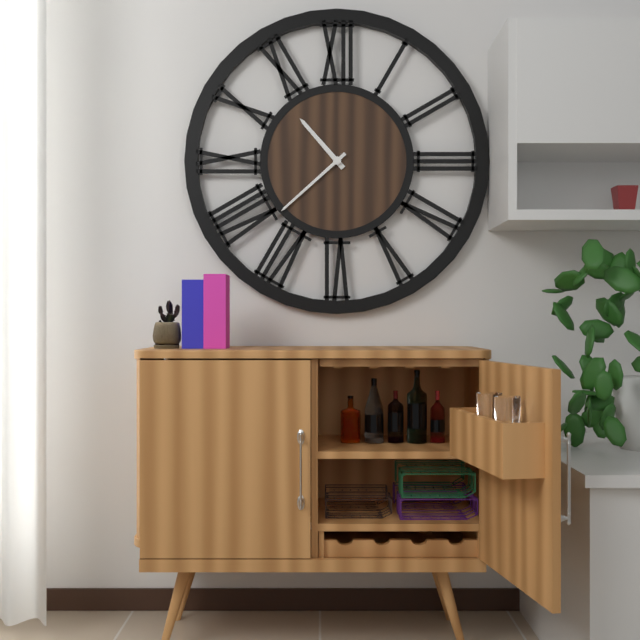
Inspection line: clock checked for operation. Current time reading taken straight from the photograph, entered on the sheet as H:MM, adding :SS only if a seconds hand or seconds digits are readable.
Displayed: 10:38
